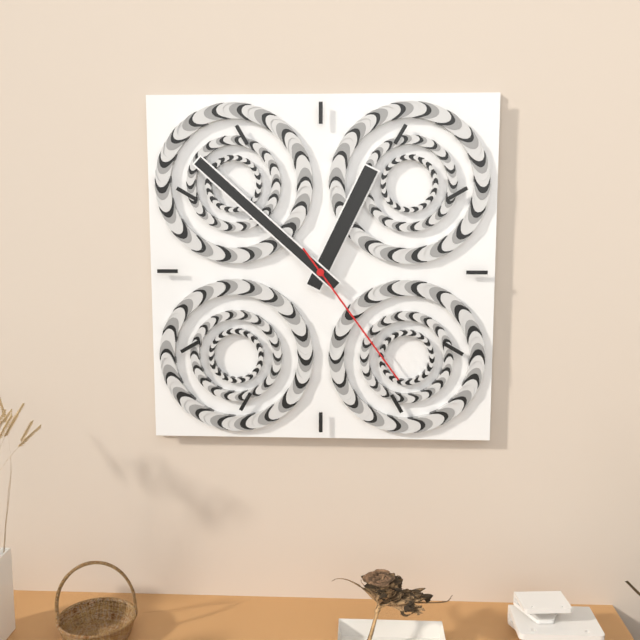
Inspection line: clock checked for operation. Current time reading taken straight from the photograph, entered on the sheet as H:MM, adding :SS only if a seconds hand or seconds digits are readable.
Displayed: 12:52:24
